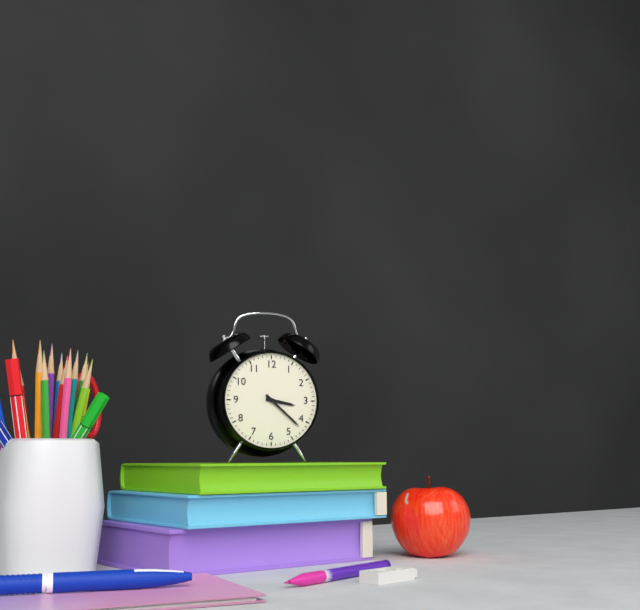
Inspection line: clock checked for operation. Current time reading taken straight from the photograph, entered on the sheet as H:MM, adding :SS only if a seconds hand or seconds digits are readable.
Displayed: 3:22
